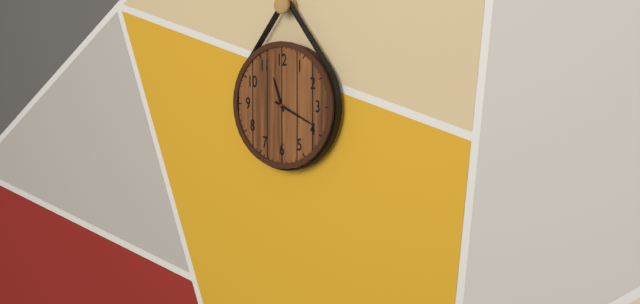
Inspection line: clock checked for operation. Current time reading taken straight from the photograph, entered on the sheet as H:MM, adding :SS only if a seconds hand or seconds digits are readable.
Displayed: 11:19
